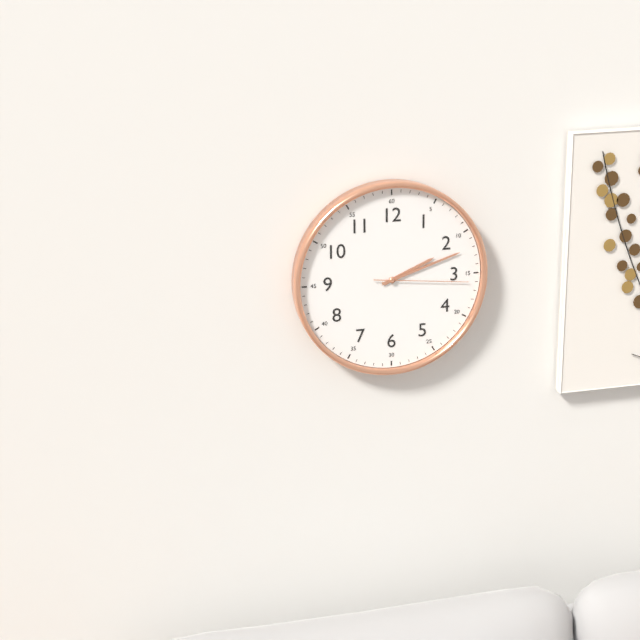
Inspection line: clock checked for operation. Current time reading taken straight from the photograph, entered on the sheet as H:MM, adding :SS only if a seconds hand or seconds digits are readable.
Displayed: 2:12:16
